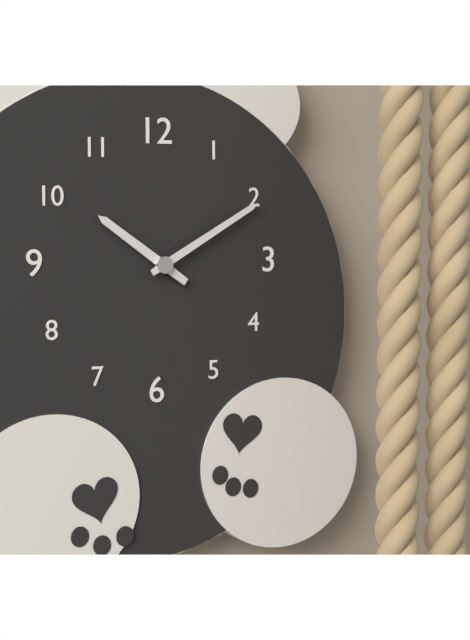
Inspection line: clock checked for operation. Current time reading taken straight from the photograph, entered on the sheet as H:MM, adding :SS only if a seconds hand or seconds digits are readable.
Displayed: 10:10
